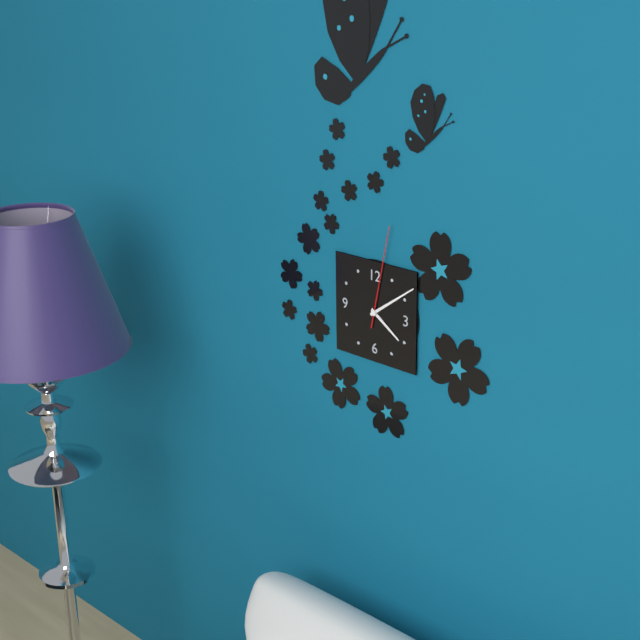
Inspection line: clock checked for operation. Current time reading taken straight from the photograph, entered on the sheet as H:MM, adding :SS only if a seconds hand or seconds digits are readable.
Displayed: 4:09:02
